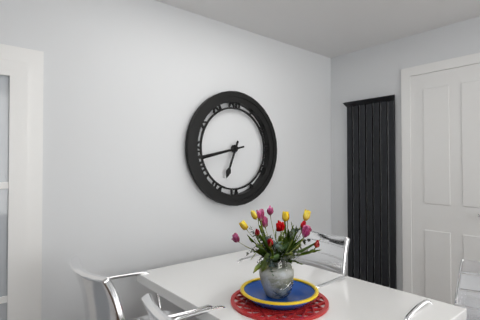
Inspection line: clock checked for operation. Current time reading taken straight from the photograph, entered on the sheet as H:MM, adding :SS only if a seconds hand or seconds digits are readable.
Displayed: 6:43
